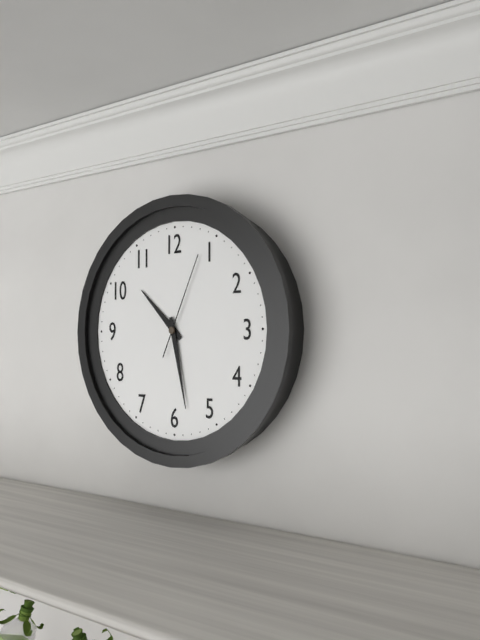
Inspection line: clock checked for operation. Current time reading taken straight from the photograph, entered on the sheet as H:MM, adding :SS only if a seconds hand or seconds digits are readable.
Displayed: 10:28:04
